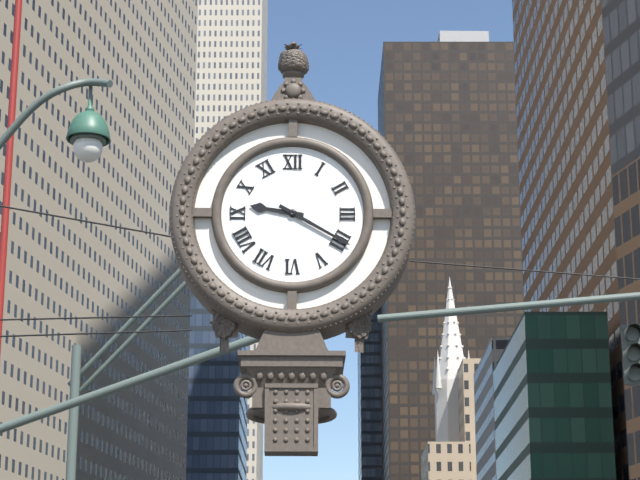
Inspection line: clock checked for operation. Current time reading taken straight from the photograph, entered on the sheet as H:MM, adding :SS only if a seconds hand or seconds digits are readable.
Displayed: 9:20
